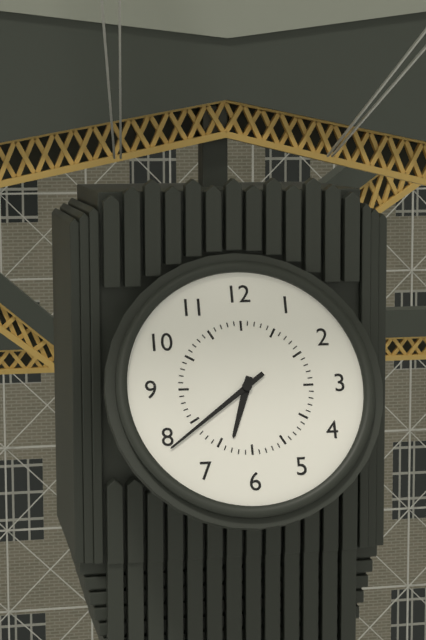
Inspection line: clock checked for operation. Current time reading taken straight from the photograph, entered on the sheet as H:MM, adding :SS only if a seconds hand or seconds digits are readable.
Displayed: 6:39
